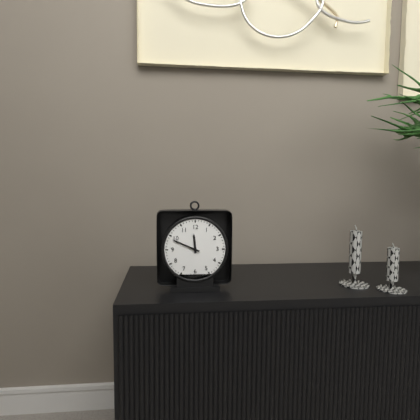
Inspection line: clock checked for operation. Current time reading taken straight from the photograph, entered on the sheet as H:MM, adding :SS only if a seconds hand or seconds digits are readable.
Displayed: 11:49
